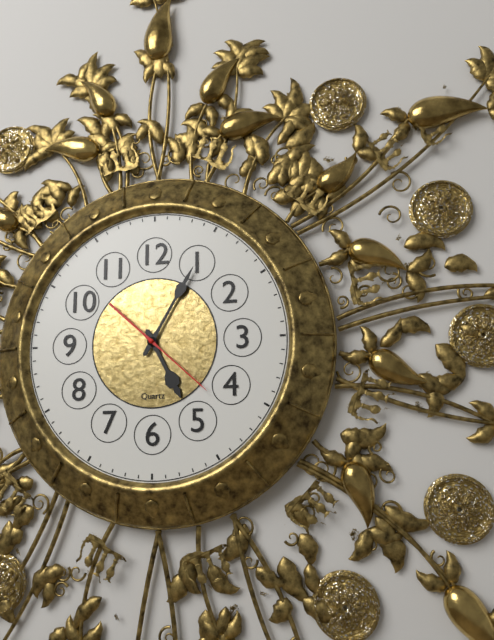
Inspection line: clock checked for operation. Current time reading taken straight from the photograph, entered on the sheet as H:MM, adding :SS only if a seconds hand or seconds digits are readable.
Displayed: 5:05:22
